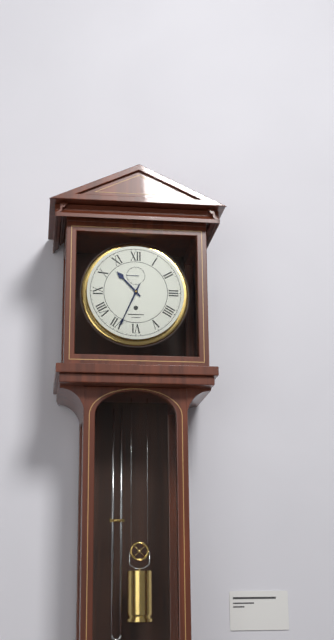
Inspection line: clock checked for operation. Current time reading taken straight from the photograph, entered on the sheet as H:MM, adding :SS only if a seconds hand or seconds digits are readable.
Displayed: 10:34
